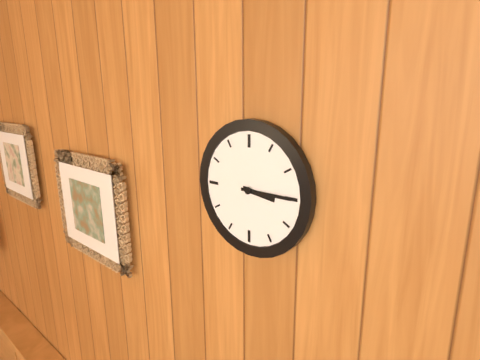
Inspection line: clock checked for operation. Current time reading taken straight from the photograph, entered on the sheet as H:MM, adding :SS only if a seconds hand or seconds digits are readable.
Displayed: 3:15
